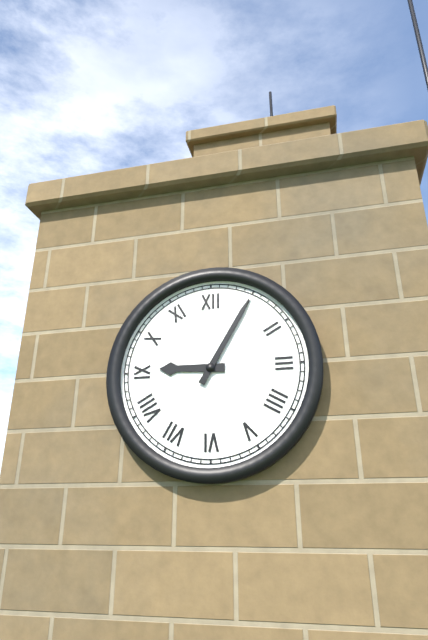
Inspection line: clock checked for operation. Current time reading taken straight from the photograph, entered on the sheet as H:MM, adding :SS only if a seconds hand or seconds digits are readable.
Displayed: 9:05
